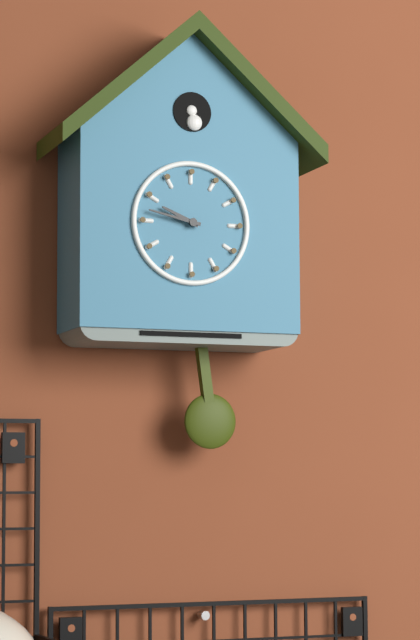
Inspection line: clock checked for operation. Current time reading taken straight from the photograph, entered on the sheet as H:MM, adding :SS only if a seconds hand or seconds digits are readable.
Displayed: 9:47
